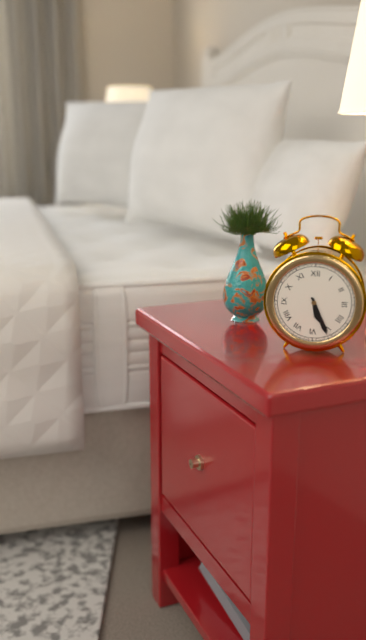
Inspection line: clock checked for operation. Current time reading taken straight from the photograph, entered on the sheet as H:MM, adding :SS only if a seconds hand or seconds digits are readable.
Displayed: 5:26
